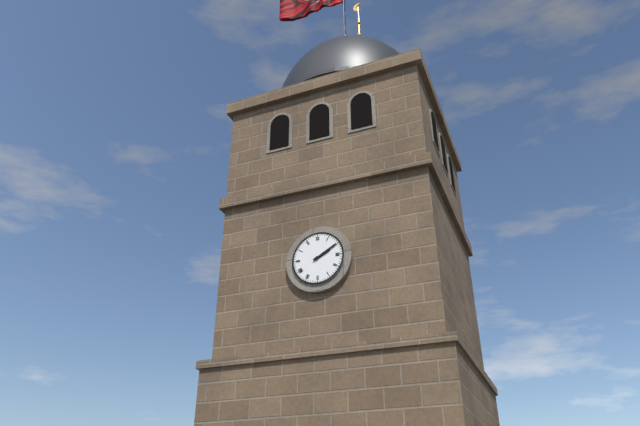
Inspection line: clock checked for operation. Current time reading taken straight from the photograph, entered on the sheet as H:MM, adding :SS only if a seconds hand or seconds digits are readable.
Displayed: 2:10
